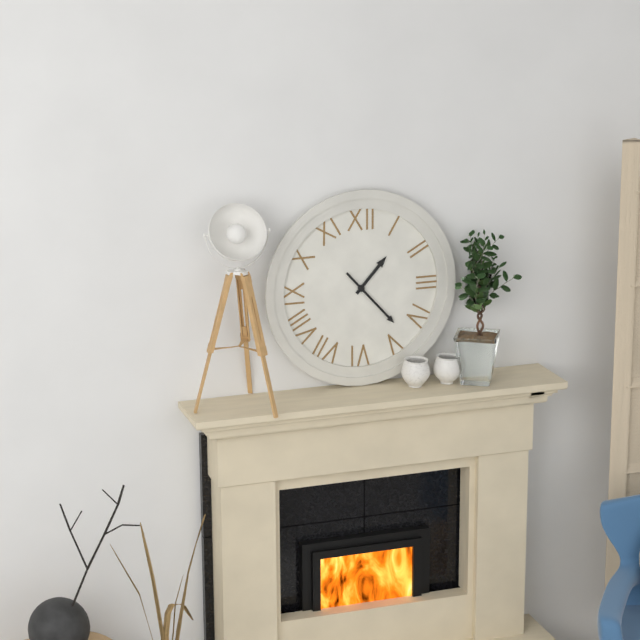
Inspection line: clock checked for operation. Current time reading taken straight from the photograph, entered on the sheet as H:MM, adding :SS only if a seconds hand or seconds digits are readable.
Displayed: 1:23
